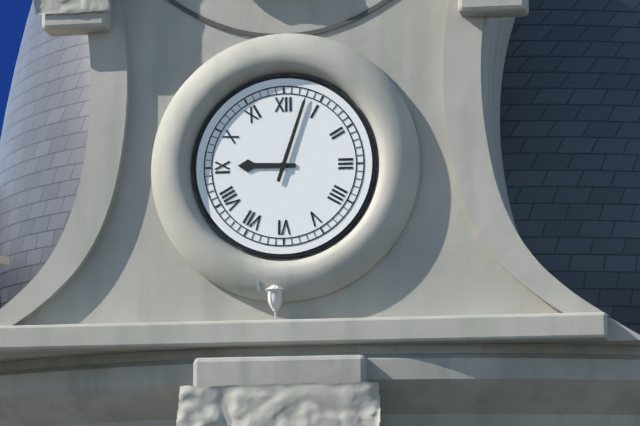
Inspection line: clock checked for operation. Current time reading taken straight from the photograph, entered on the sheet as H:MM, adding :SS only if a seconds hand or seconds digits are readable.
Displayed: 9:03
